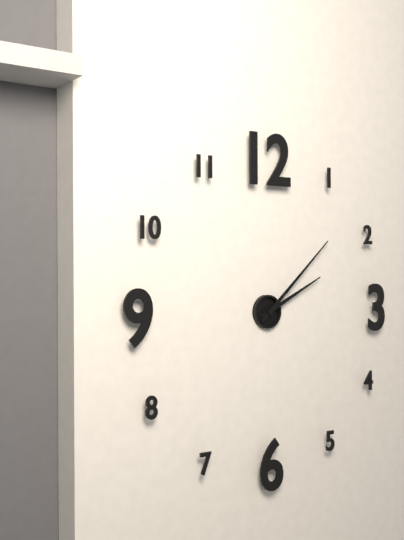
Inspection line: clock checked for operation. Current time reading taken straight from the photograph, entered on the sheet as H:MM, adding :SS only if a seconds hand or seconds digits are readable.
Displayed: 2:08
